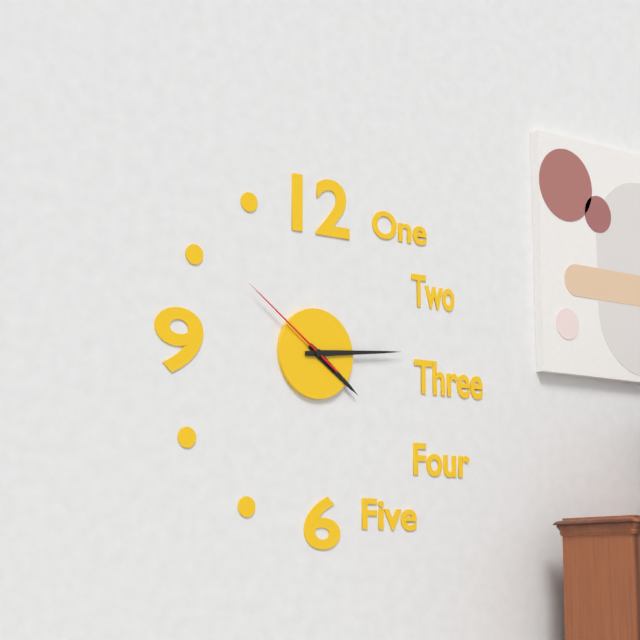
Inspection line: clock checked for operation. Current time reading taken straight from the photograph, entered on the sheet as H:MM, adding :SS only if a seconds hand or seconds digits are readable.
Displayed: 4:14:51
